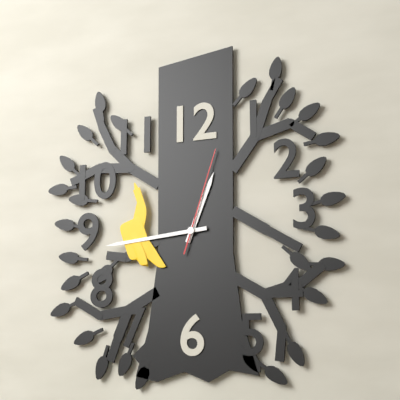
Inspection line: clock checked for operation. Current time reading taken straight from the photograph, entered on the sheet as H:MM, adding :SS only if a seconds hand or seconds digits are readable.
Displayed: 12:44:03
